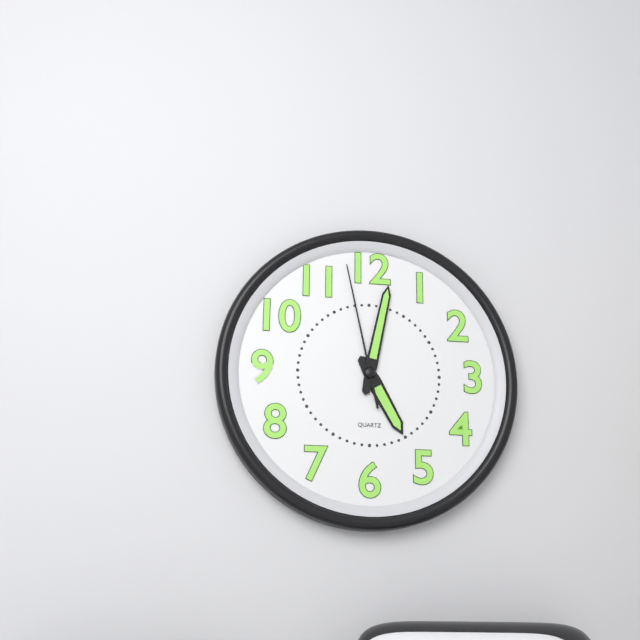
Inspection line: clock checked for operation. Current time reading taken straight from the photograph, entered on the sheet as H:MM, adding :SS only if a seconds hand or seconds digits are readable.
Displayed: 5:02:58
